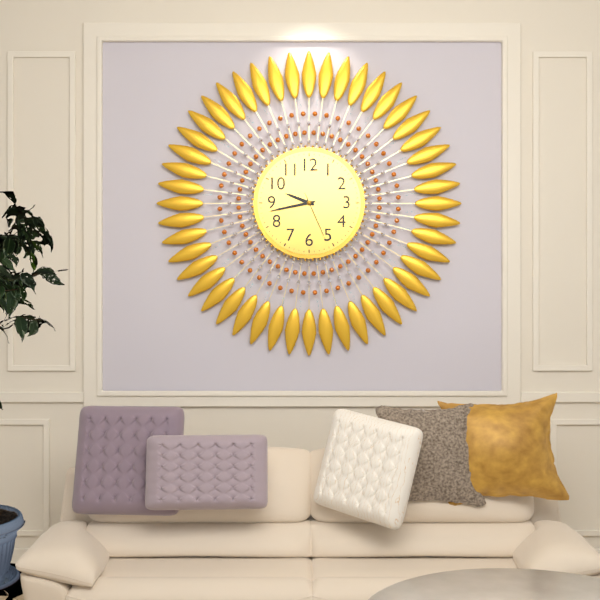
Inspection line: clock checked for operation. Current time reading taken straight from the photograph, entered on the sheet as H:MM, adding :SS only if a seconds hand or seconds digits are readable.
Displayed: 9:43:26
